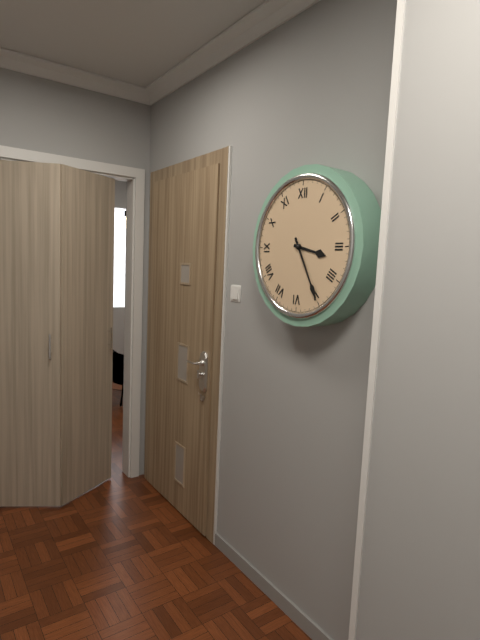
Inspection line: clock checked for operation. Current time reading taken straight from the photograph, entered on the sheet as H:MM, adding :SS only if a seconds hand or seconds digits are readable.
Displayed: 3:25
